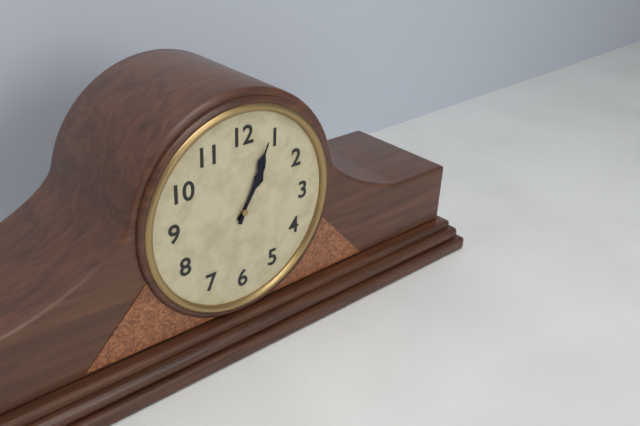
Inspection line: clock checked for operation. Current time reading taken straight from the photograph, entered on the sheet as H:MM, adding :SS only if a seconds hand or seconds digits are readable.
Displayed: 1:04
